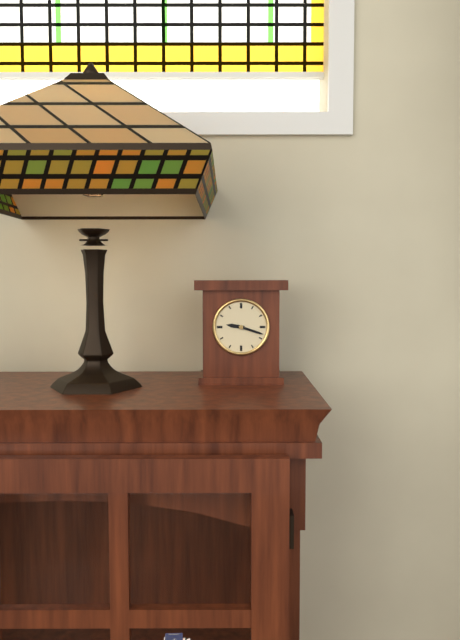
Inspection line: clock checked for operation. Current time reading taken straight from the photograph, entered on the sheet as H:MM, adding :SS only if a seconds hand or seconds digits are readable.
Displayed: 9:18
